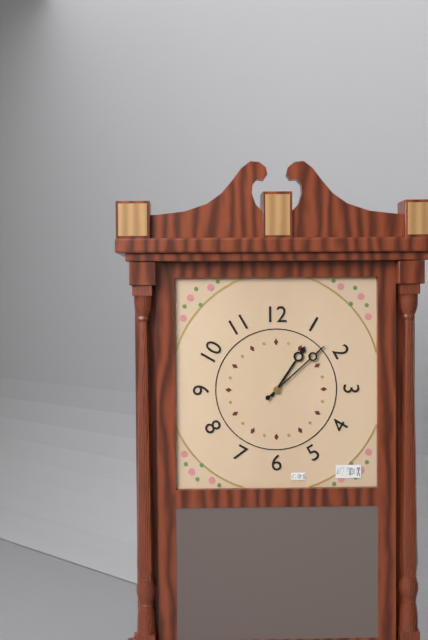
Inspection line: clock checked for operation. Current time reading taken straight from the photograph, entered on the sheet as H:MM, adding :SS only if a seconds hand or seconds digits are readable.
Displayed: 1:08
